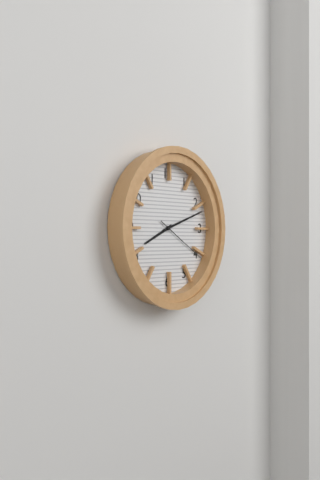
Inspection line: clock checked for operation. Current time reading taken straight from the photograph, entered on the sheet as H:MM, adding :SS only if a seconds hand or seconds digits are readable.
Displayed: 8:12:20
